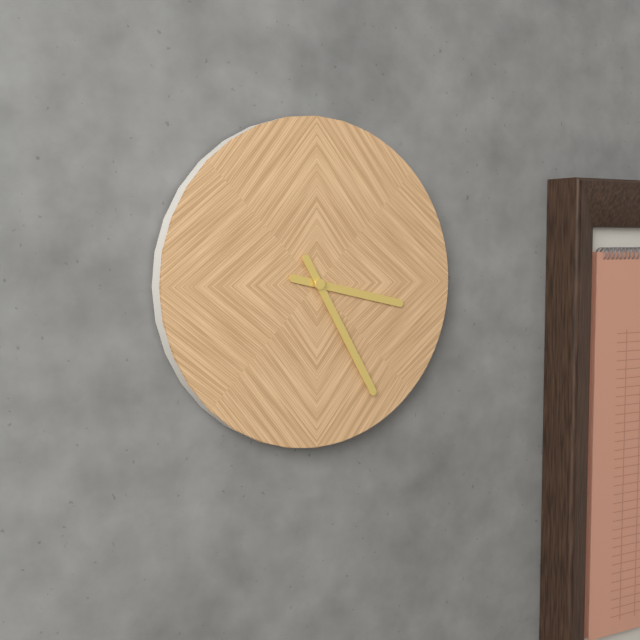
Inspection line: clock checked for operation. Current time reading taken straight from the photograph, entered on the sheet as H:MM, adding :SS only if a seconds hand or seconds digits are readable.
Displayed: 3:25
